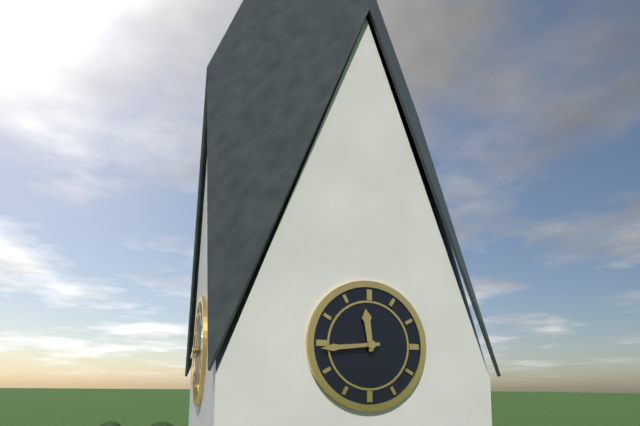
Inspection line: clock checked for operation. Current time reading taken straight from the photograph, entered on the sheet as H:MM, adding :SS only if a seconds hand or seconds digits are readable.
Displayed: 11:44
